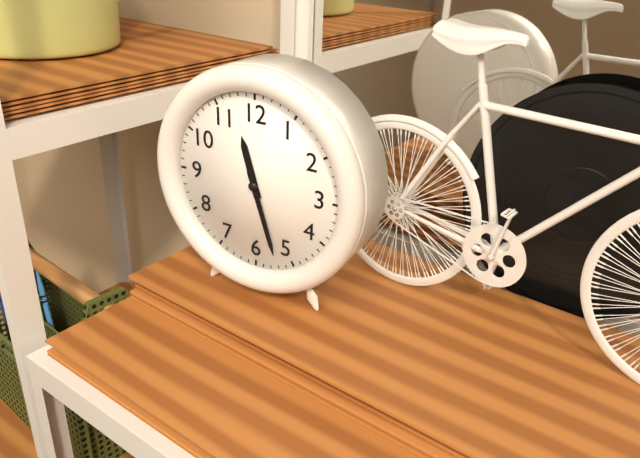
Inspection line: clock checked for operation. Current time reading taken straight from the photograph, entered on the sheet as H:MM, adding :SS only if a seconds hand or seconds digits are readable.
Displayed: 11:27
